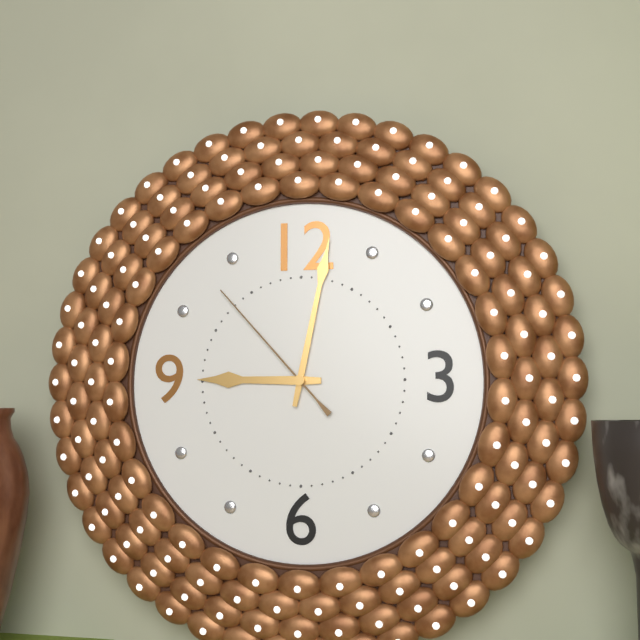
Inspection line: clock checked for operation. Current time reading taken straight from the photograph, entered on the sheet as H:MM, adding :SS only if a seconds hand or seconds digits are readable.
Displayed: 9:02:53
